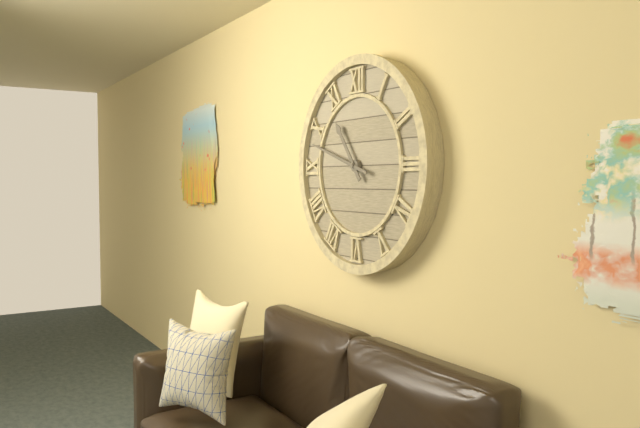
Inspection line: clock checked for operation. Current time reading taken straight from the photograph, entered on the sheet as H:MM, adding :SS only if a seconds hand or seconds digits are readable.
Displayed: 10:48
